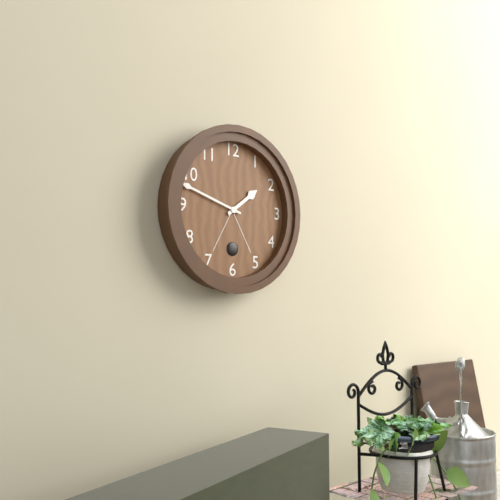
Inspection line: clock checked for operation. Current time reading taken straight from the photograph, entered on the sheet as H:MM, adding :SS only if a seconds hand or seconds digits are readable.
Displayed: 1:48
